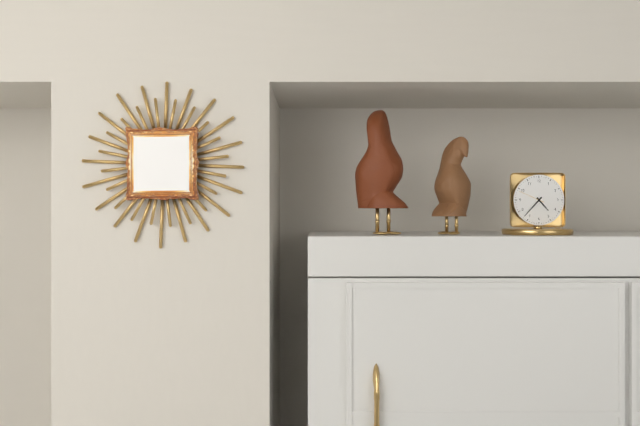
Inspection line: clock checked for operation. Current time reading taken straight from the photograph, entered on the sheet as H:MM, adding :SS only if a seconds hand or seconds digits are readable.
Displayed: 4:37
